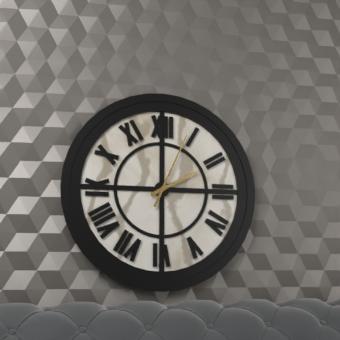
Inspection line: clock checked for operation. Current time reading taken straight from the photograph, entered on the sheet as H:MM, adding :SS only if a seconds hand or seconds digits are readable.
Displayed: 2:04
